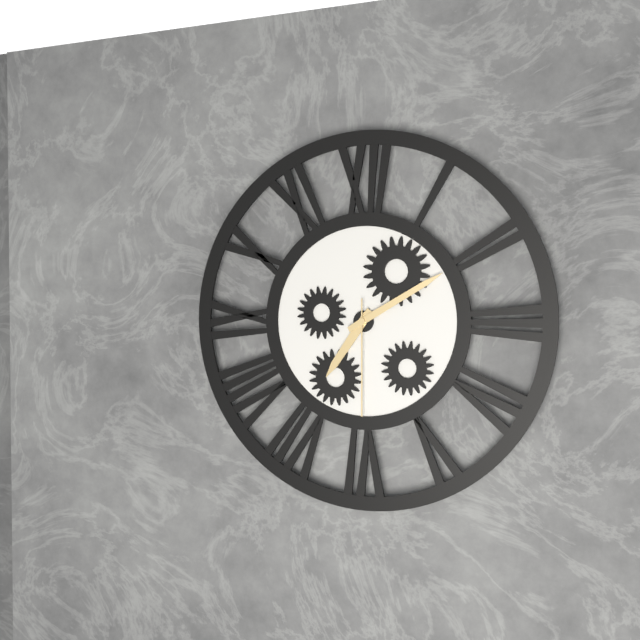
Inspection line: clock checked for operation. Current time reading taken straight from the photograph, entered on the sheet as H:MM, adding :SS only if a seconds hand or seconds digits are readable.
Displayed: 7:10:30
